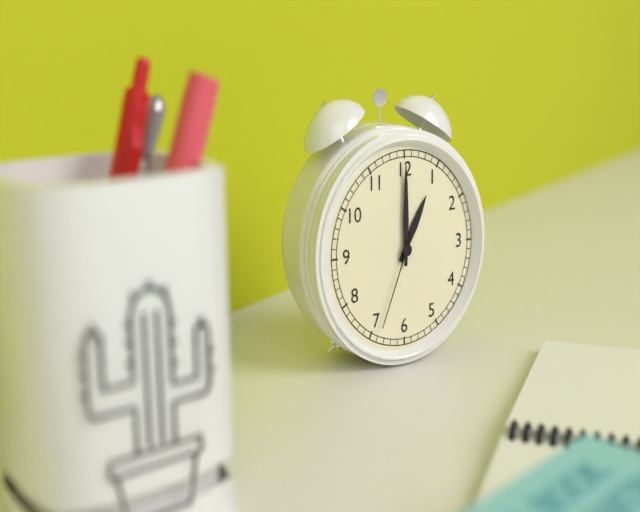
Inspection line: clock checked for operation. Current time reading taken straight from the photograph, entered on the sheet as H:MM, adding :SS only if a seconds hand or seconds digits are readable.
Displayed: 1:00:34
